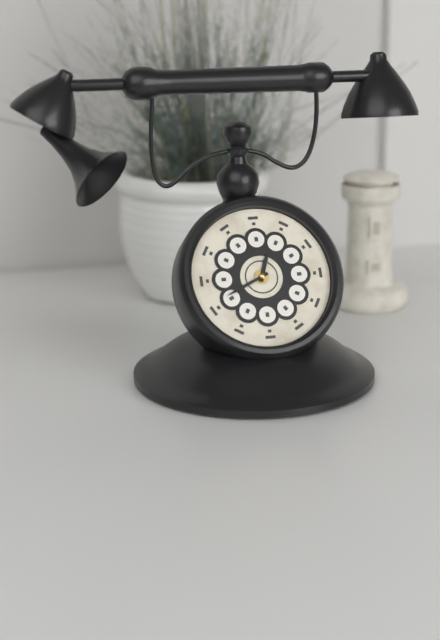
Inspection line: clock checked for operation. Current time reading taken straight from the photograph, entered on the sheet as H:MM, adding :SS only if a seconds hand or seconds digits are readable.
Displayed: 12:41
